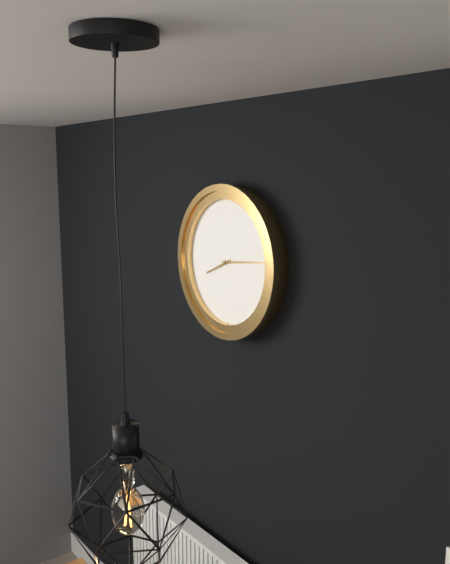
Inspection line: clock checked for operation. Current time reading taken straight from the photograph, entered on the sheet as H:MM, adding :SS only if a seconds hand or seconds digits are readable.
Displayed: 8:14
